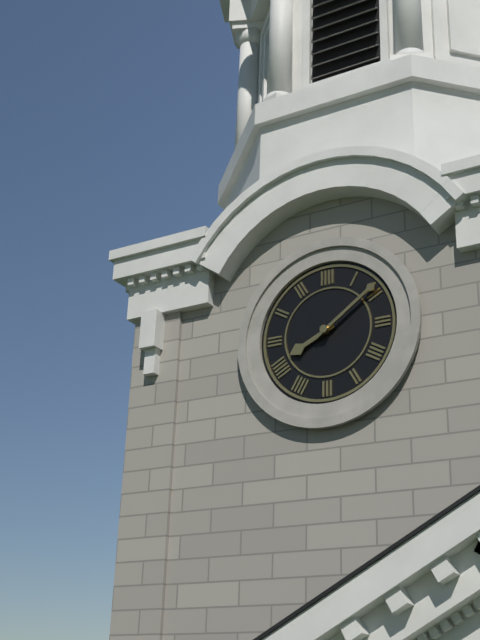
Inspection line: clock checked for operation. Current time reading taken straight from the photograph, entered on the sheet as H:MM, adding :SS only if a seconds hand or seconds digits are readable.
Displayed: 8:09
